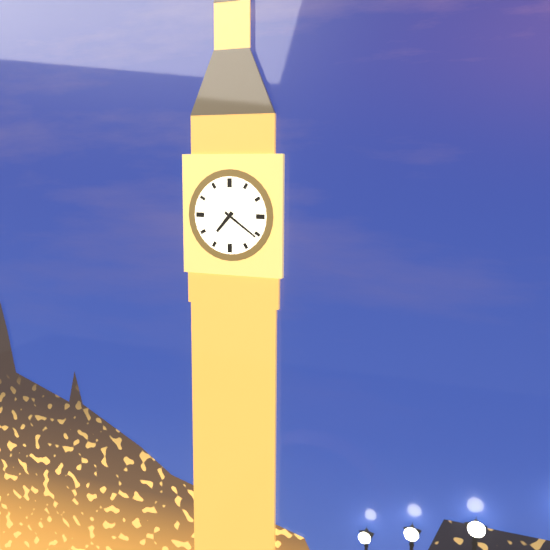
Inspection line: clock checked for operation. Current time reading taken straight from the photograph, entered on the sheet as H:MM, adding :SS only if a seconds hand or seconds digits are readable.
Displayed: 7:21
